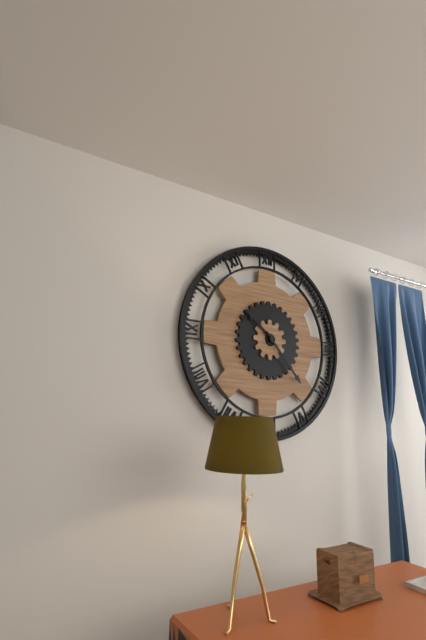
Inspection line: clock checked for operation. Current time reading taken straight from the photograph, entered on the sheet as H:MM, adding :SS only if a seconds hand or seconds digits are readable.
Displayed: 10:23
